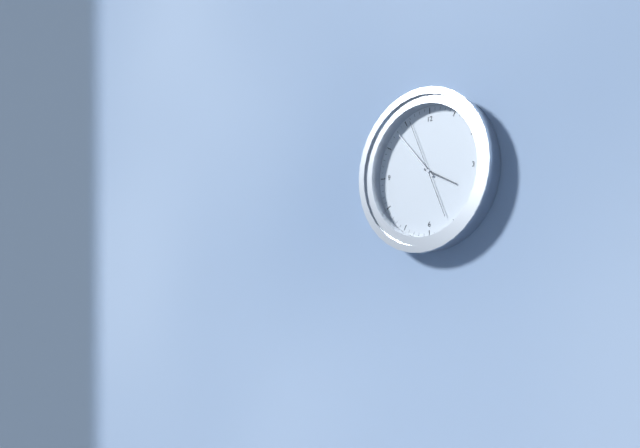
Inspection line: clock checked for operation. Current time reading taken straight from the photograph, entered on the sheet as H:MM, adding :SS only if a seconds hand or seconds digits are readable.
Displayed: 3:53:56
